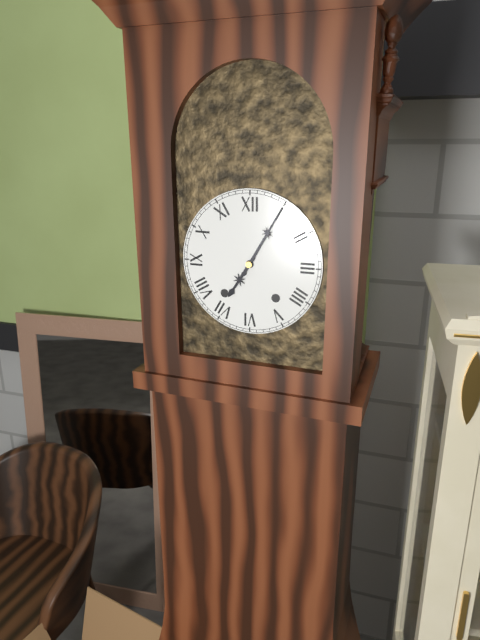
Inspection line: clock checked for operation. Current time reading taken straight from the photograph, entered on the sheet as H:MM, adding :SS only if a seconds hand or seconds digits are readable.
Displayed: 7:05
